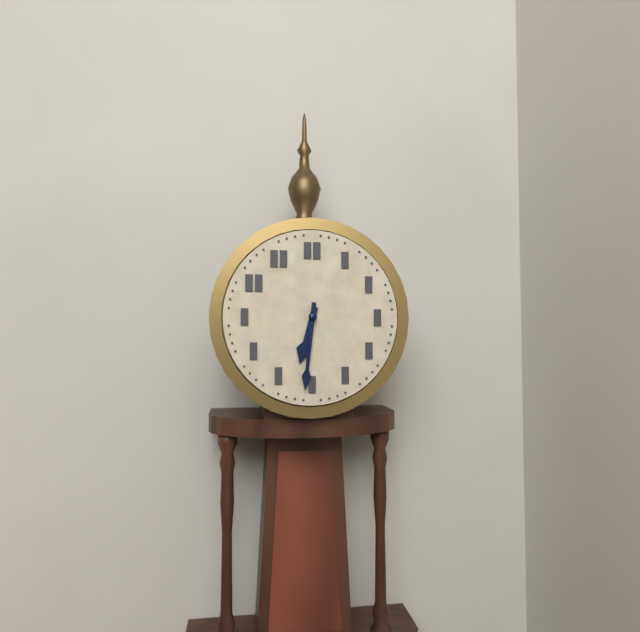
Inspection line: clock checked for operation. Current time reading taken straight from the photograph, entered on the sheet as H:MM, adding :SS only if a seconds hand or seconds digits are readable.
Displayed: 6:31
